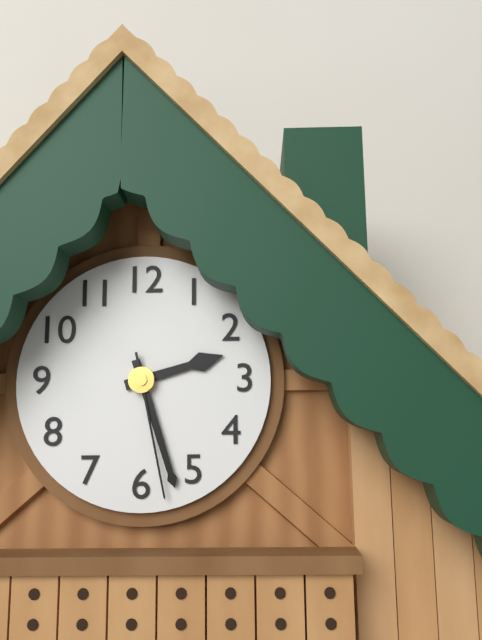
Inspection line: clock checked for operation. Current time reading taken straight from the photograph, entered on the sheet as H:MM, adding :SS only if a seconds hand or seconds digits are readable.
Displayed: 2:27:28
